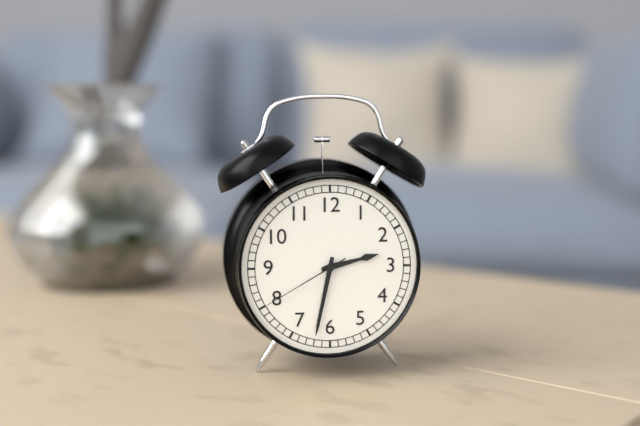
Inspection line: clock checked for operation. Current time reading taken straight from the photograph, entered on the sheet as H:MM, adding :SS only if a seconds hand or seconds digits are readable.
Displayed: 2:32:40
